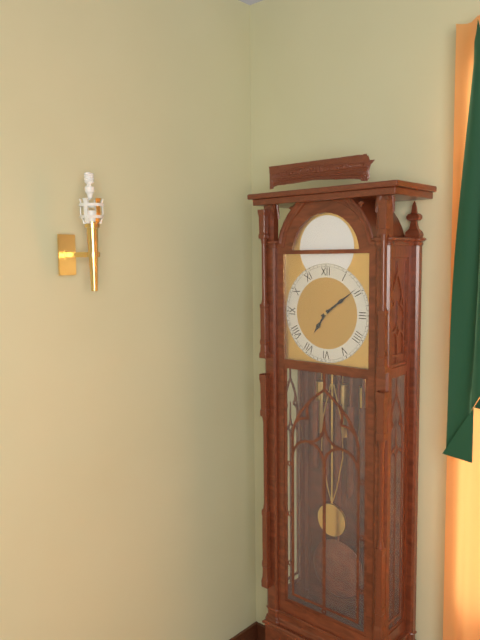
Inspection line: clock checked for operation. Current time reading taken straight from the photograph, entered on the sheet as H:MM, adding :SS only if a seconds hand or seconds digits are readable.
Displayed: 7:09
